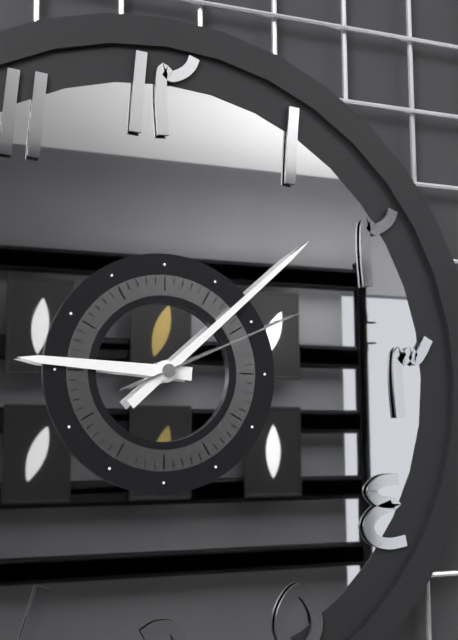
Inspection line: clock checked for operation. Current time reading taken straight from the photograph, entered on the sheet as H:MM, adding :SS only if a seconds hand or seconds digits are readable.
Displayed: 9:08:11
